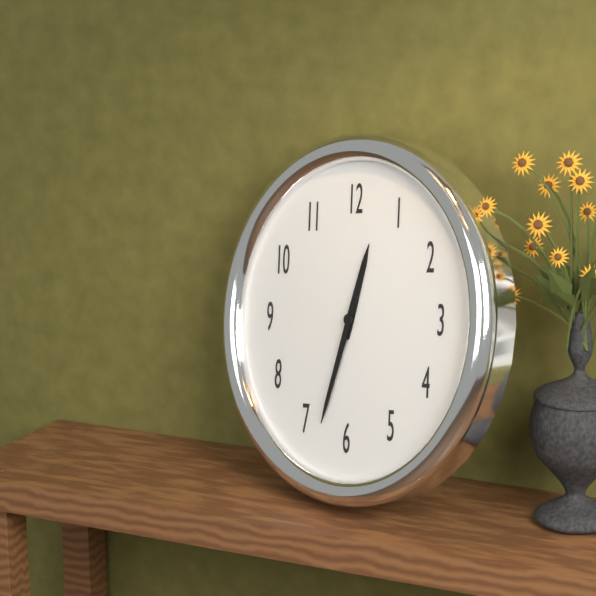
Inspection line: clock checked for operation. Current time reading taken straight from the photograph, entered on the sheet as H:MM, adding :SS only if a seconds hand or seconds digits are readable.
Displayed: 12:33
